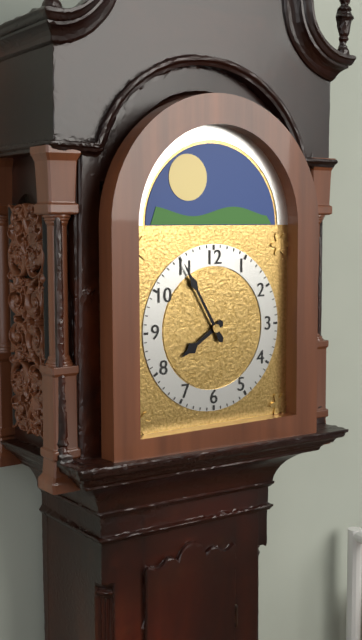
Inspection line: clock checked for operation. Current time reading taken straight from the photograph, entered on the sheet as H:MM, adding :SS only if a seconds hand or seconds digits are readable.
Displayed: 7:55
